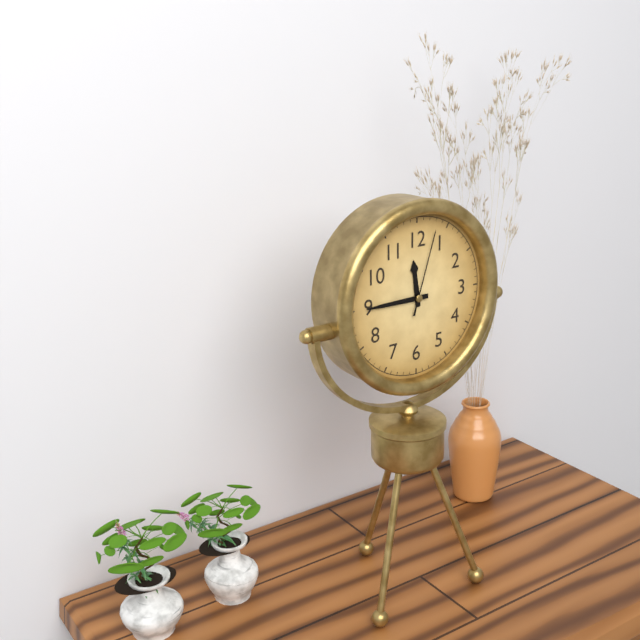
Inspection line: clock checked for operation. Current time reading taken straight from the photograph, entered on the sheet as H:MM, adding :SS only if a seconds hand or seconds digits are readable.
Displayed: 11:45:03
